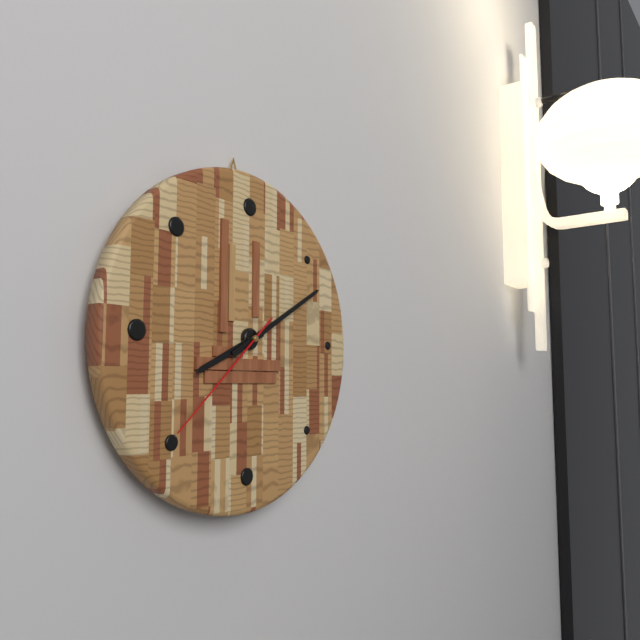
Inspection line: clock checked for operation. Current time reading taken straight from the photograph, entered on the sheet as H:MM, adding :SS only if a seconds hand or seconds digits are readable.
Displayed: 8:10:38
